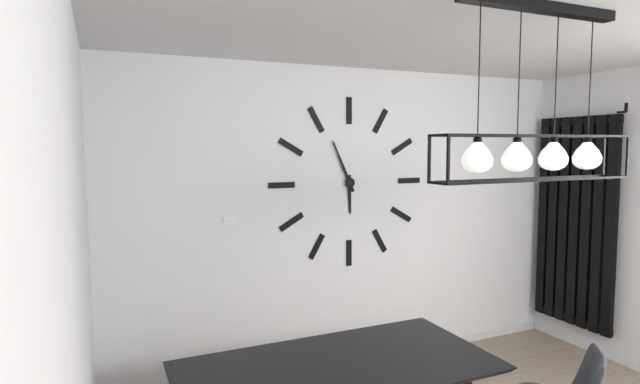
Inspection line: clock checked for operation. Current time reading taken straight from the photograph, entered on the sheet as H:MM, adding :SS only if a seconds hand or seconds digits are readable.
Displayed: 5:56
